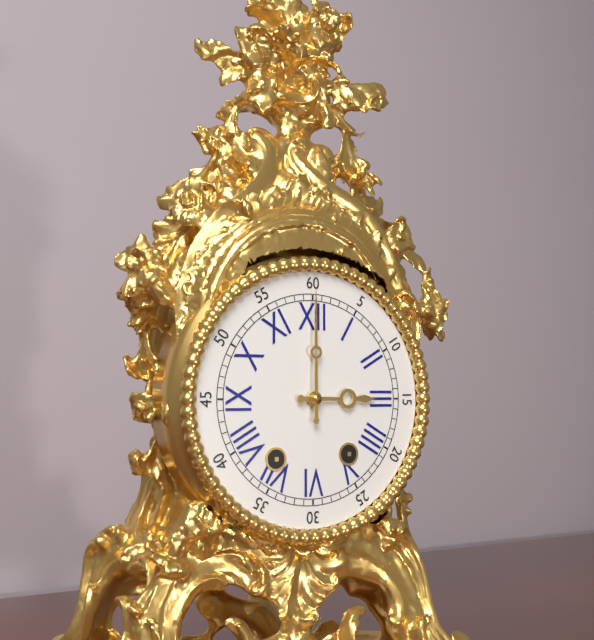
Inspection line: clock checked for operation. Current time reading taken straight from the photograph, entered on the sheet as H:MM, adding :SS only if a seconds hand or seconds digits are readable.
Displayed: 3:00
